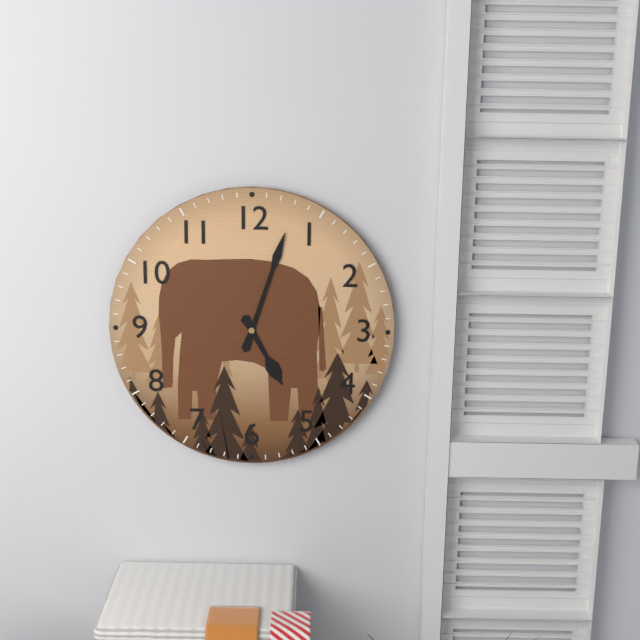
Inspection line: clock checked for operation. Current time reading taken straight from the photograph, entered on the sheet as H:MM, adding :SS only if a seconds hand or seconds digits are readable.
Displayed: 5:03
